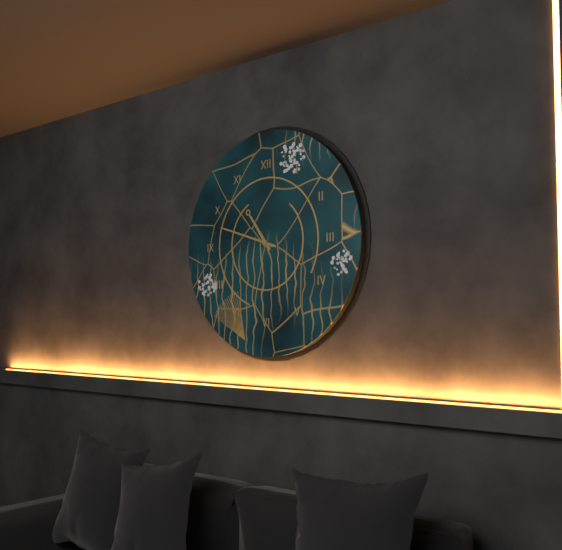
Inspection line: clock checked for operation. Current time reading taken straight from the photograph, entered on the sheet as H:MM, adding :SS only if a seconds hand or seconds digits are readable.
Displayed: 10:48
